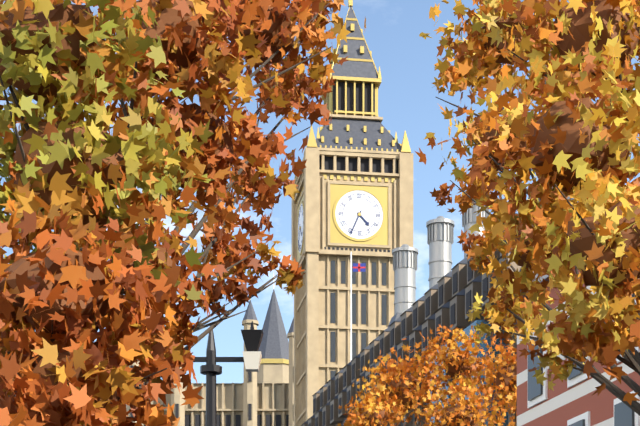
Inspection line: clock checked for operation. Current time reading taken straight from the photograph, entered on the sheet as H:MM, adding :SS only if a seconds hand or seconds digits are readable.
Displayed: 4:34
